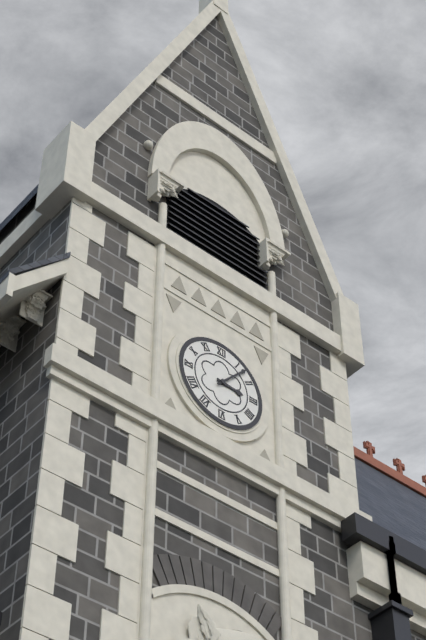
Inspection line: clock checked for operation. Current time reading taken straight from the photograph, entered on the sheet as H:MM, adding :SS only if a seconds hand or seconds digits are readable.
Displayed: 3:07
